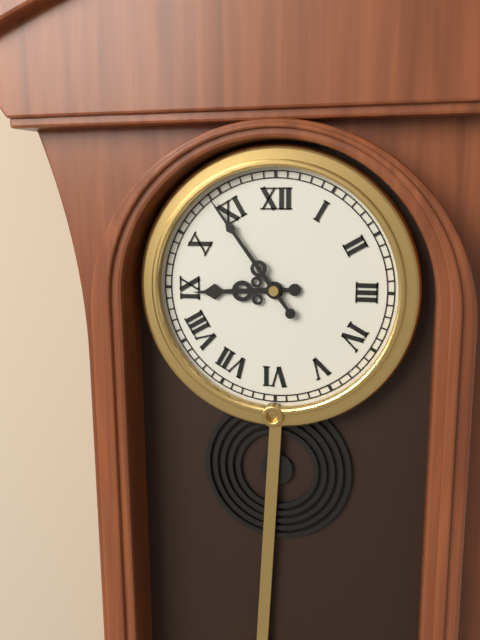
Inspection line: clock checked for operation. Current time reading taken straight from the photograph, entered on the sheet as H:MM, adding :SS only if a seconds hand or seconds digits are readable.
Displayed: 8:54
